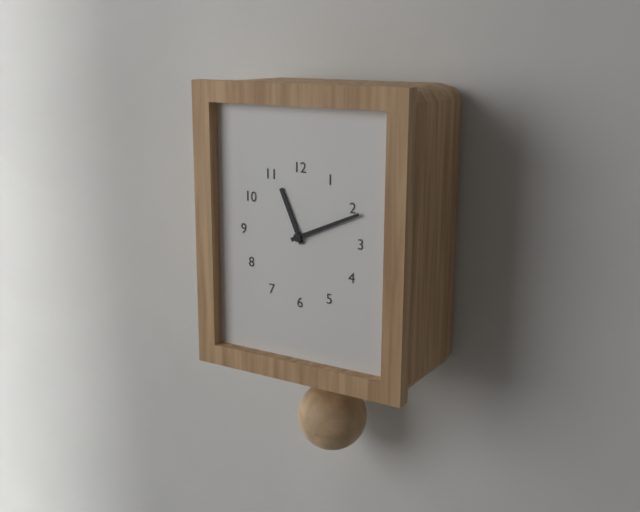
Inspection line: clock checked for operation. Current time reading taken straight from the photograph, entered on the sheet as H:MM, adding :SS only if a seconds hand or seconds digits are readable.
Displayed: 11:11
